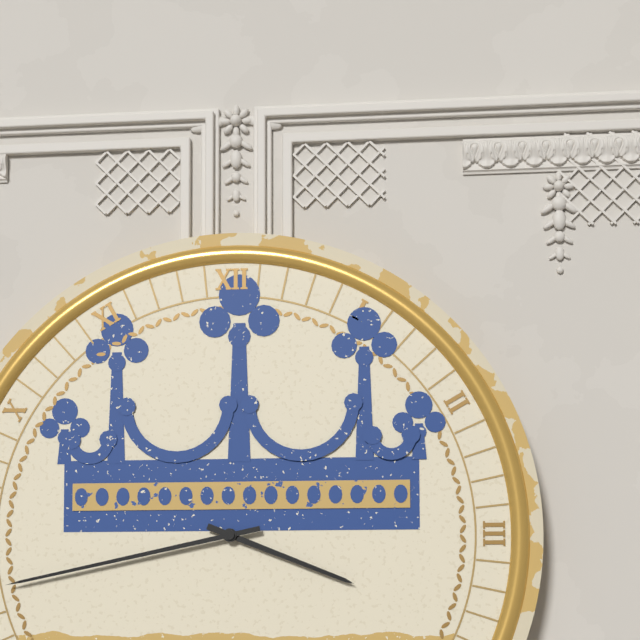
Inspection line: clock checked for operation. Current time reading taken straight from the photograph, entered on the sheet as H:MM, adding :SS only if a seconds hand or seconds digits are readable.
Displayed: 3:43
